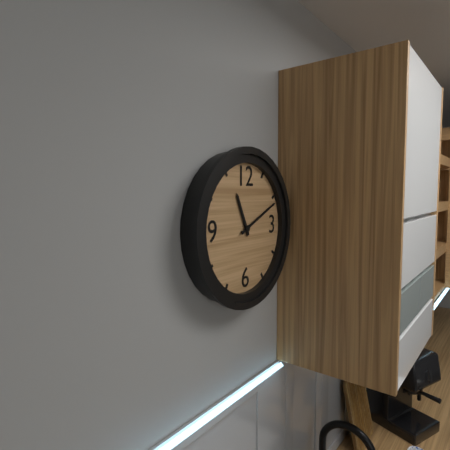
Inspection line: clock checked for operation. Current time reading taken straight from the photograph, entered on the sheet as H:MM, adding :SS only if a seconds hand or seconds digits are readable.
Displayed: 11:11
